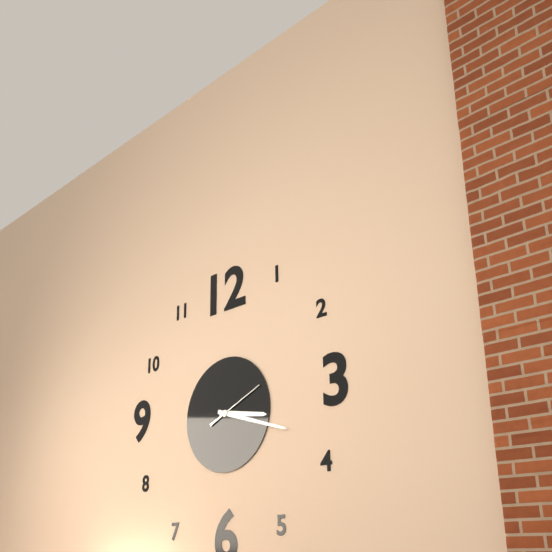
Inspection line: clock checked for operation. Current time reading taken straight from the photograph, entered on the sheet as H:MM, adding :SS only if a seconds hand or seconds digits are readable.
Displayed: 3:18:11
